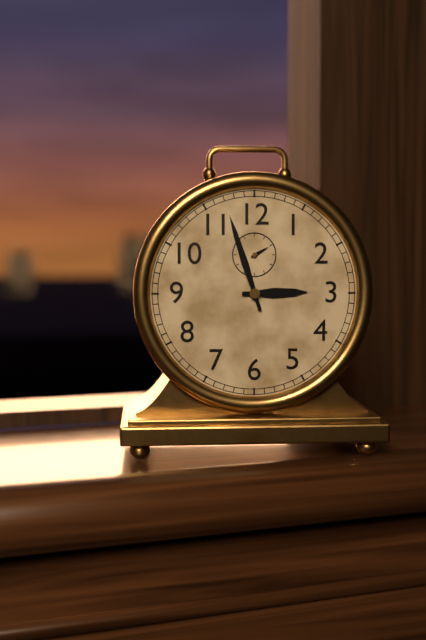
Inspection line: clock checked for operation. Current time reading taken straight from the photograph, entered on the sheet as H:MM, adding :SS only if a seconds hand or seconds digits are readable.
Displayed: 2:57
